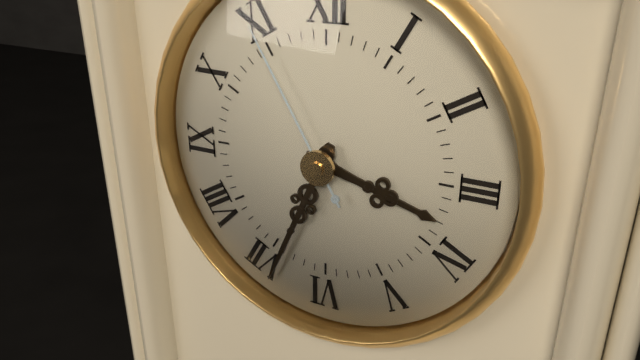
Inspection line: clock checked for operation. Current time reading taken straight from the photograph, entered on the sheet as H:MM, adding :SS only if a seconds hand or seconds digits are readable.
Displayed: 3:34:55
